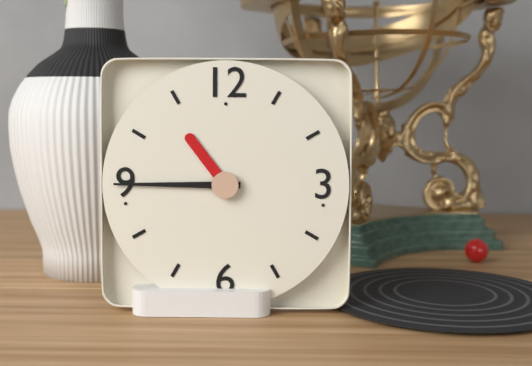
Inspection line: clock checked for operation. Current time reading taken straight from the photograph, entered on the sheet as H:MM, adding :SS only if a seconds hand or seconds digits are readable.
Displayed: 10:45
